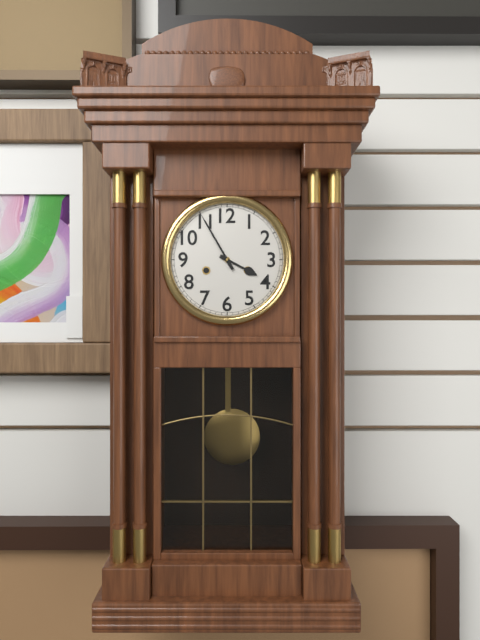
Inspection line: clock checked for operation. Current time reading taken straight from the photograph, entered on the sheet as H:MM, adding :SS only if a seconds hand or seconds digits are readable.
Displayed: 3:55
